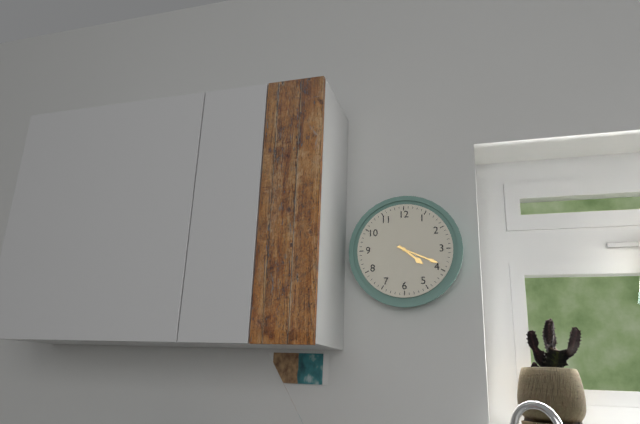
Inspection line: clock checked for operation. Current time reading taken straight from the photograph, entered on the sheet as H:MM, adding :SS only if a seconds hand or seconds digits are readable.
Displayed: 4:19
